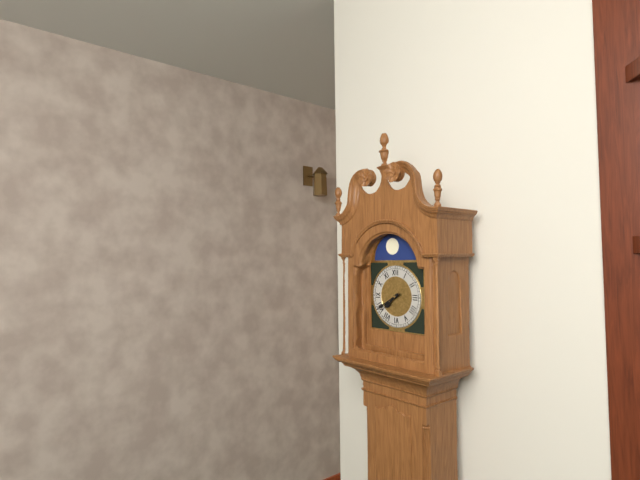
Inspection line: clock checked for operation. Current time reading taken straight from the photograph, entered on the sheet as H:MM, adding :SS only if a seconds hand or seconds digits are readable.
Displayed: 7:40
